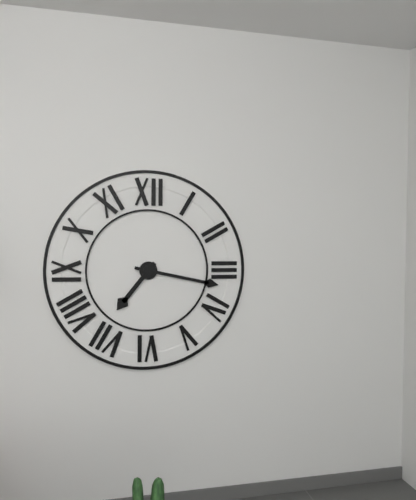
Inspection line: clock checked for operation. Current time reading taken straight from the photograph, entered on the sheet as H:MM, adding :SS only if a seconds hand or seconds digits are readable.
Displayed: 7:17
